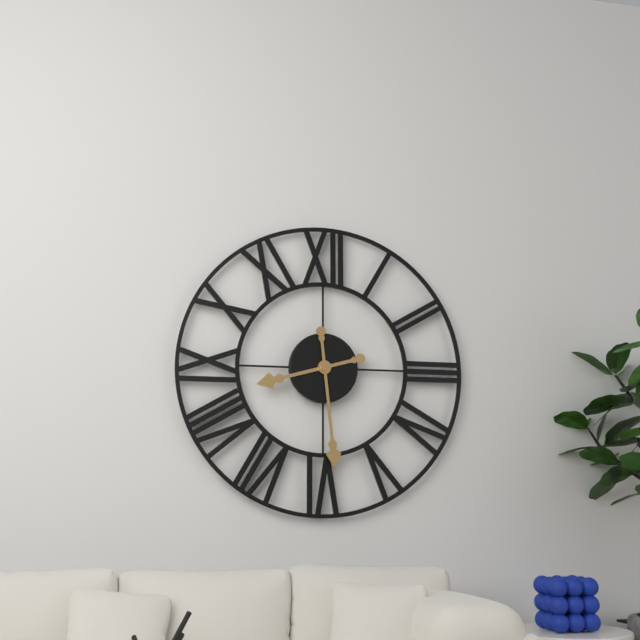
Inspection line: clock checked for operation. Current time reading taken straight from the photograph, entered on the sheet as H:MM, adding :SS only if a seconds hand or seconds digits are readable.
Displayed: 8:29
